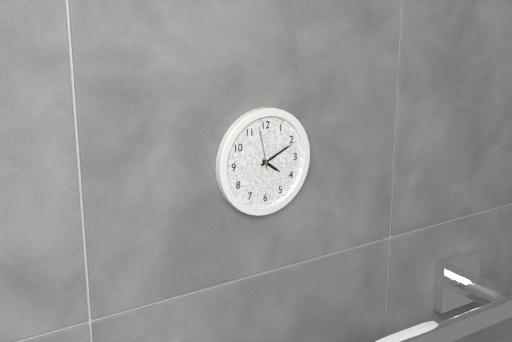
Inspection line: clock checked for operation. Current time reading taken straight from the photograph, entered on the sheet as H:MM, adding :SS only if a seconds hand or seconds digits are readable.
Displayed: 4:11
